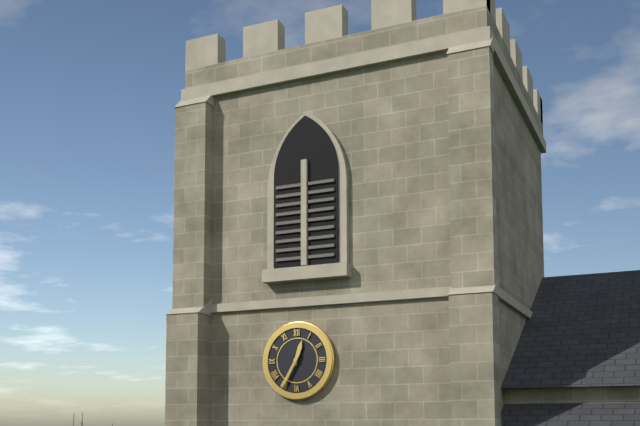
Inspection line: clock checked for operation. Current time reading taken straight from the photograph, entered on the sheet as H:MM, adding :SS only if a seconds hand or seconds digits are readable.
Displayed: 12:35
